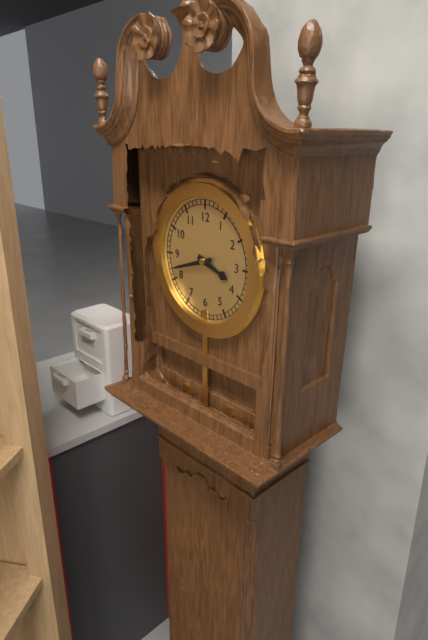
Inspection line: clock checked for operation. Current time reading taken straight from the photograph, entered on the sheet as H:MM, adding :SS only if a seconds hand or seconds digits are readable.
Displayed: 3:42
